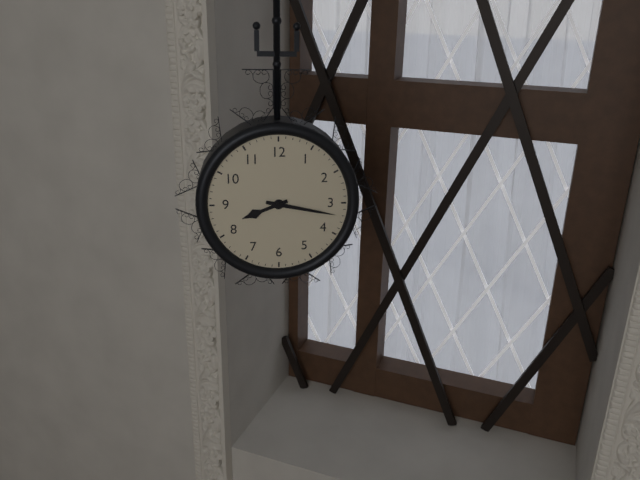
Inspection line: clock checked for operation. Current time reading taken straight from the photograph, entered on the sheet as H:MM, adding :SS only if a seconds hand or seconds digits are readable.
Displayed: 8:17
